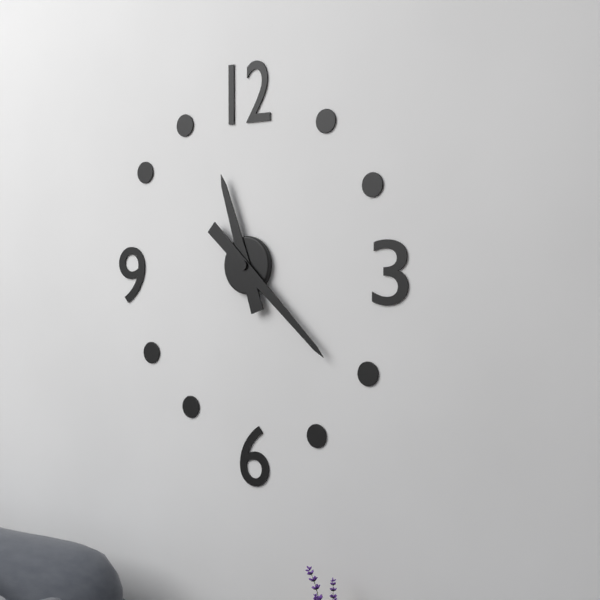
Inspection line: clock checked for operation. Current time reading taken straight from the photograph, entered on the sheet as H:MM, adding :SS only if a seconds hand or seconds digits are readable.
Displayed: 11:22
